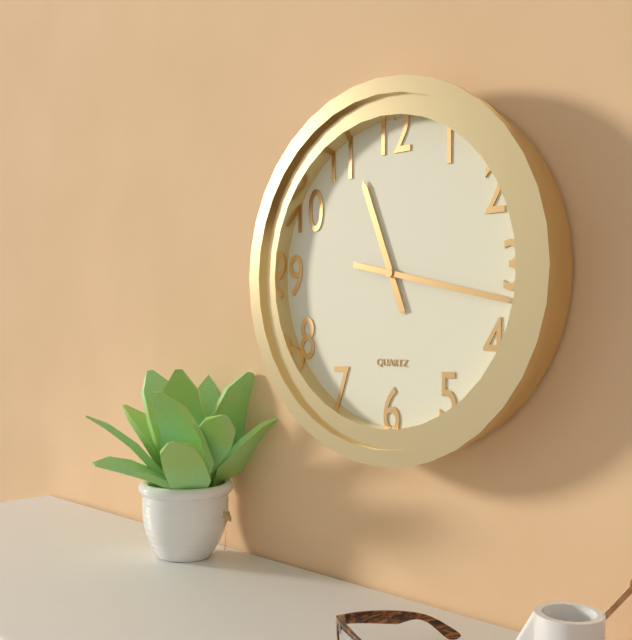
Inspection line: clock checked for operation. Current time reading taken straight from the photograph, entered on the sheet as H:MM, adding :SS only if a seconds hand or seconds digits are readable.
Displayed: 11:17
